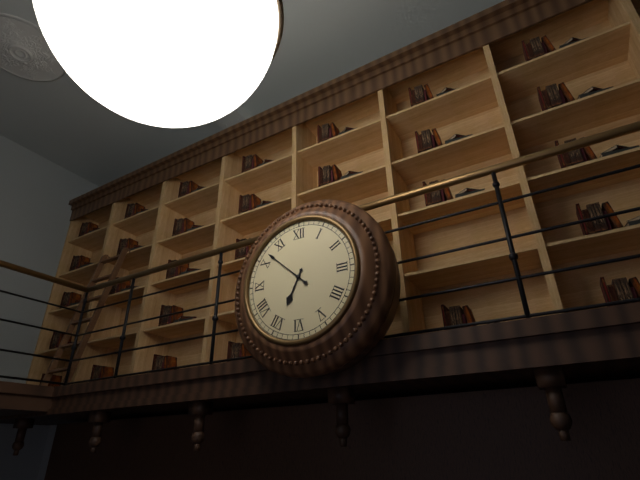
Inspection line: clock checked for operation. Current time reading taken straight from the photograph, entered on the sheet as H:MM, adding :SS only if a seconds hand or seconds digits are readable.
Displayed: 6:52
